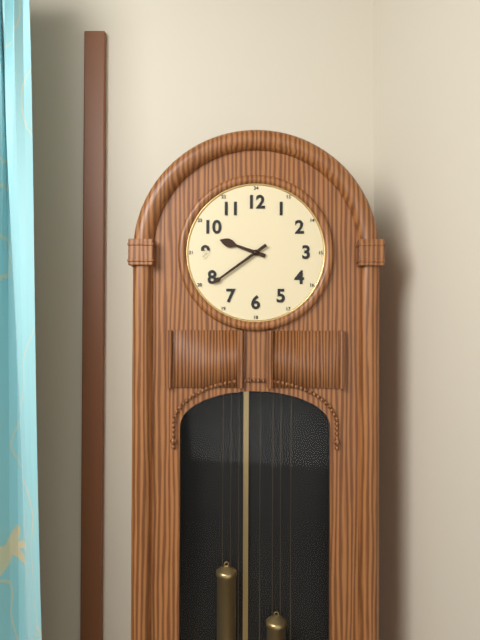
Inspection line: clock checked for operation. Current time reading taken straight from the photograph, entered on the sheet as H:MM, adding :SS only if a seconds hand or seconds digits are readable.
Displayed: 9:39
